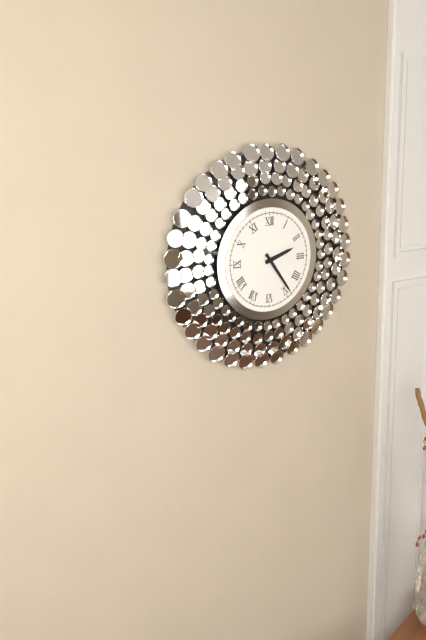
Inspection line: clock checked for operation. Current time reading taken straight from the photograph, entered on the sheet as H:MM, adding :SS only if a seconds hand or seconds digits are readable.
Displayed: 2:24
